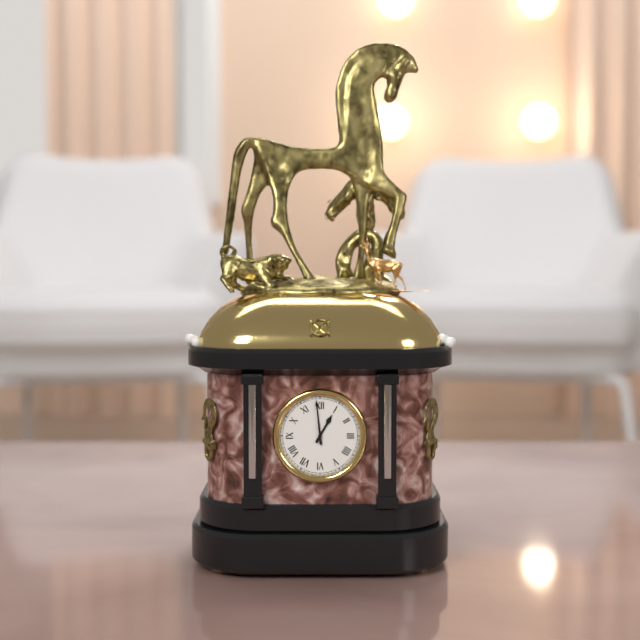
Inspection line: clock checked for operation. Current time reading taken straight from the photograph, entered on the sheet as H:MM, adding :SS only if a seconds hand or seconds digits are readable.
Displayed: 12:59
